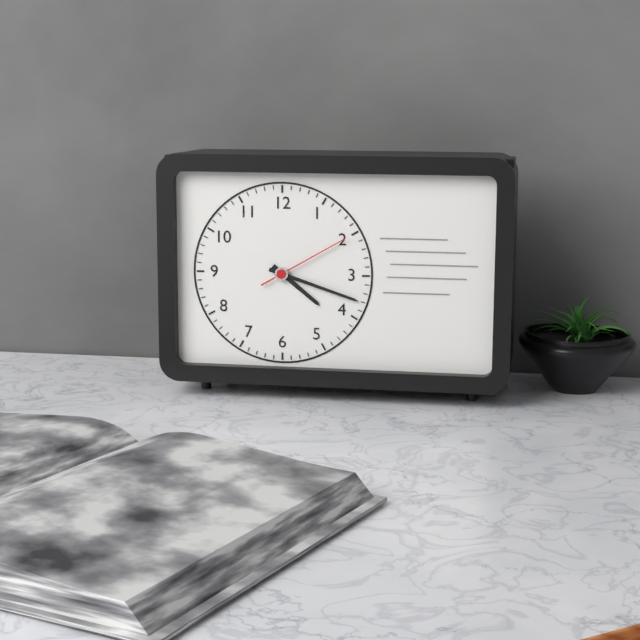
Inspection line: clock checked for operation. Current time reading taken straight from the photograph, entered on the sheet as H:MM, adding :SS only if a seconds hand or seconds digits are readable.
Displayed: 4:18:10
